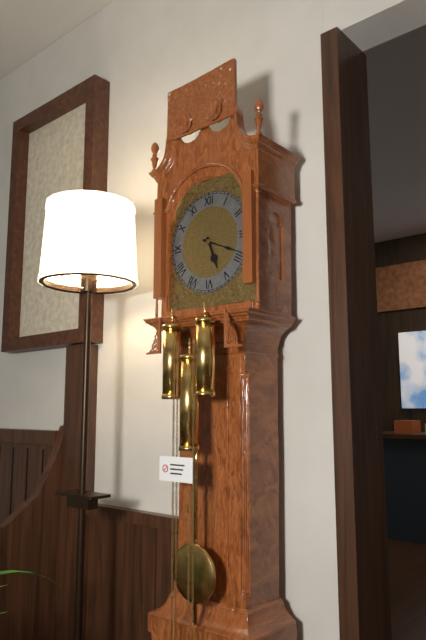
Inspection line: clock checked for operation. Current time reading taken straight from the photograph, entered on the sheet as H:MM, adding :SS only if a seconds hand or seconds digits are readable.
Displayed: 5:19
